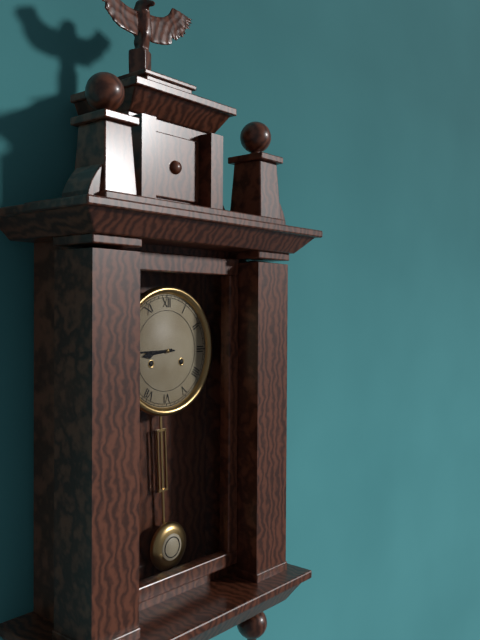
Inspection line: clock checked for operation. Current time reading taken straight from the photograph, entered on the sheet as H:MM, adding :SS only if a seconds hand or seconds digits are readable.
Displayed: 8:45
